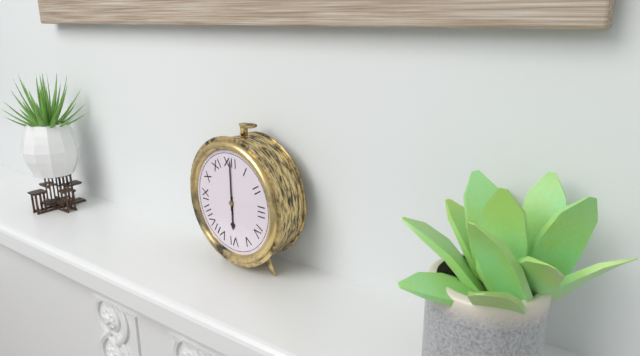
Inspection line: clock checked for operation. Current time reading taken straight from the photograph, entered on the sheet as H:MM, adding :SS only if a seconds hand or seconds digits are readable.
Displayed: 6:00
